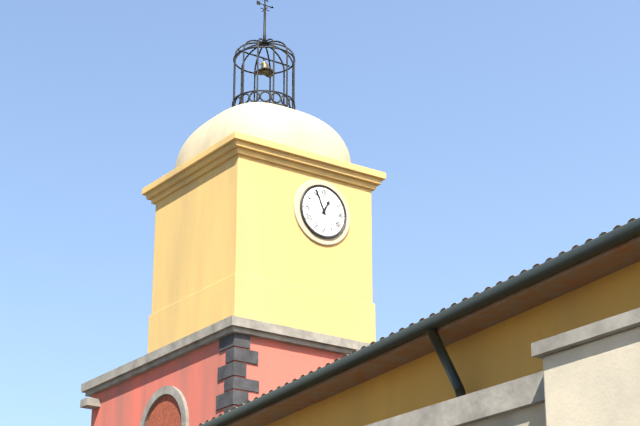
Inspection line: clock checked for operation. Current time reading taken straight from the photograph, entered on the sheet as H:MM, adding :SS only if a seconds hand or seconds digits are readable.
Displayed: 12:56
